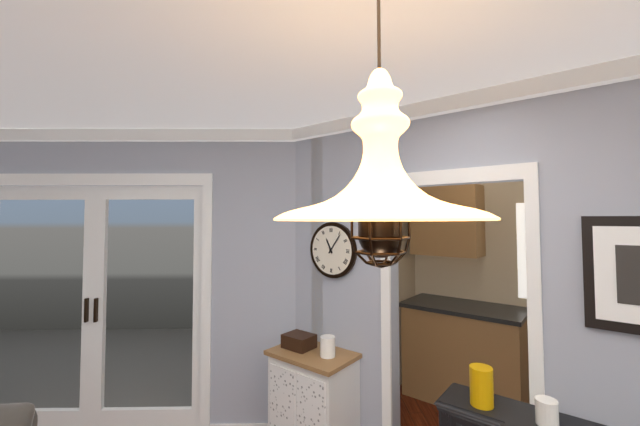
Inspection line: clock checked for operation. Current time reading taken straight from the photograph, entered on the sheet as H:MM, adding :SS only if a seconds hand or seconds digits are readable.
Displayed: 11:06
